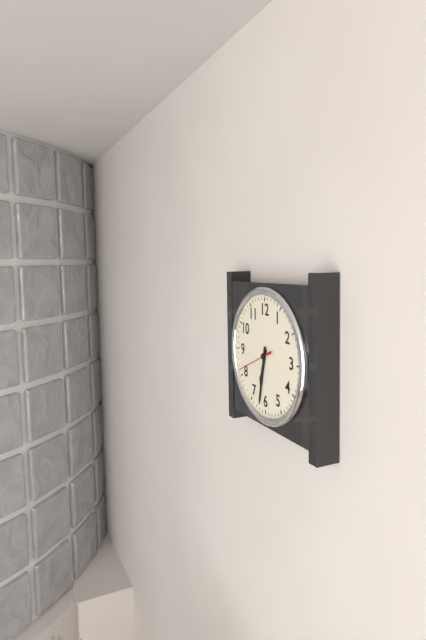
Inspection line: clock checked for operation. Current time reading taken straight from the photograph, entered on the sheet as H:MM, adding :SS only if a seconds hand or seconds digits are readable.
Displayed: 6:32
